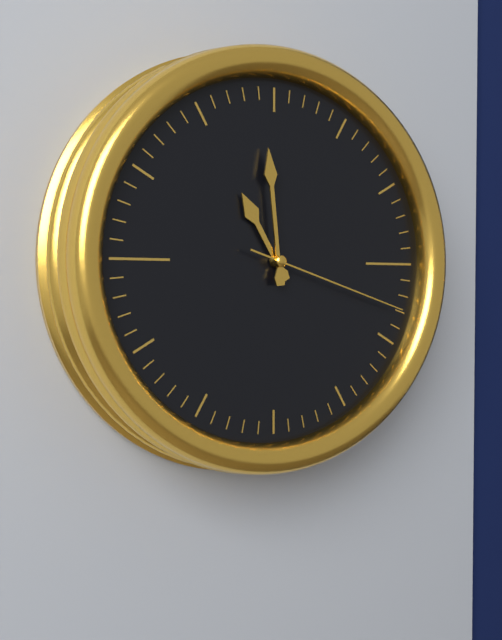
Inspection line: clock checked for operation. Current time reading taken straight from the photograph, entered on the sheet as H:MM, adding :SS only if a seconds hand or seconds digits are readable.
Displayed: 10:59:18
